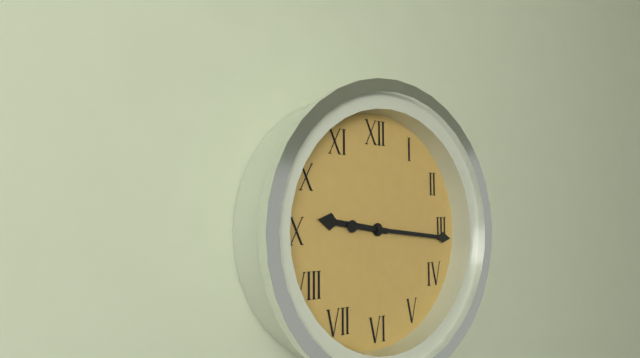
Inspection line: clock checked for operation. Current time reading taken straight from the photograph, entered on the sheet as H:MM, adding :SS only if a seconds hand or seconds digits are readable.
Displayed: 9:16
